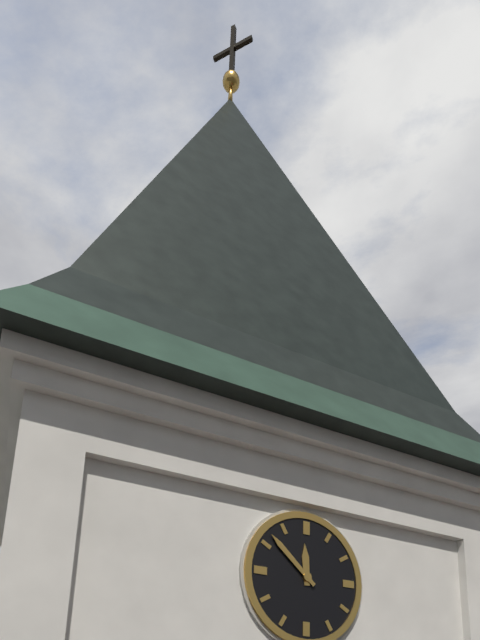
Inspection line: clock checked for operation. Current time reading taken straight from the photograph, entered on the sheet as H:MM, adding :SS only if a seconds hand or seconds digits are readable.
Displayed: 11:52
